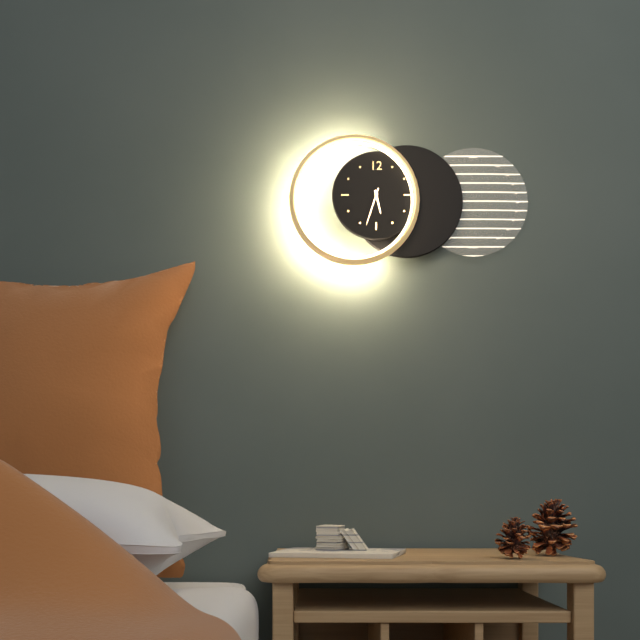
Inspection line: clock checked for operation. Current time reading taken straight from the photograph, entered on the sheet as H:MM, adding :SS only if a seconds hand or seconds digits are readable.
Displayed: 5:33
